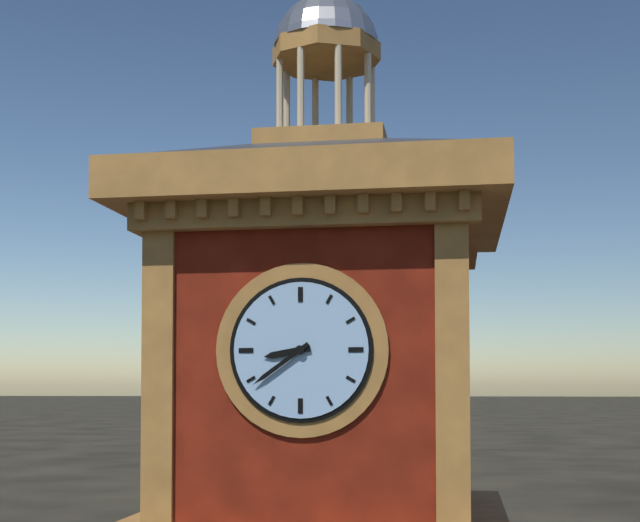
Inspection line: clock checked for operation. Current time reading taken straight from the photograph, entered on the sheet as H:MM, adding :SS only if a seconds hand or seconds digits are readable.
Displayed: 8:39
